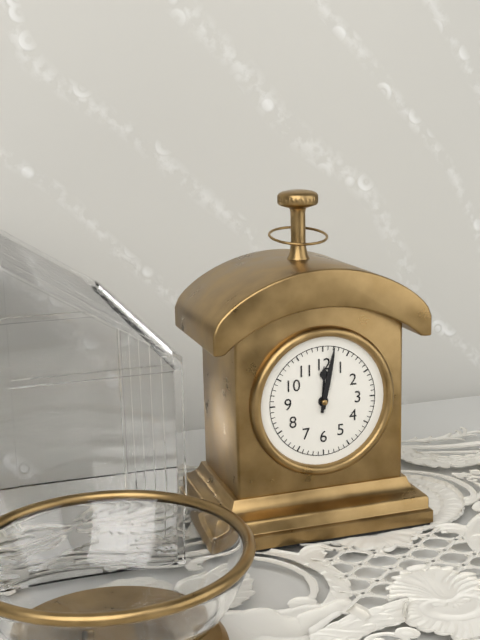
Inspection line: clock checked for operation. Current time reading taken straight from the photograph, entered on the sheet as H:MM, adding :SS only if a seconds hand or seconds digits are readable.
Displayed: 12:02
